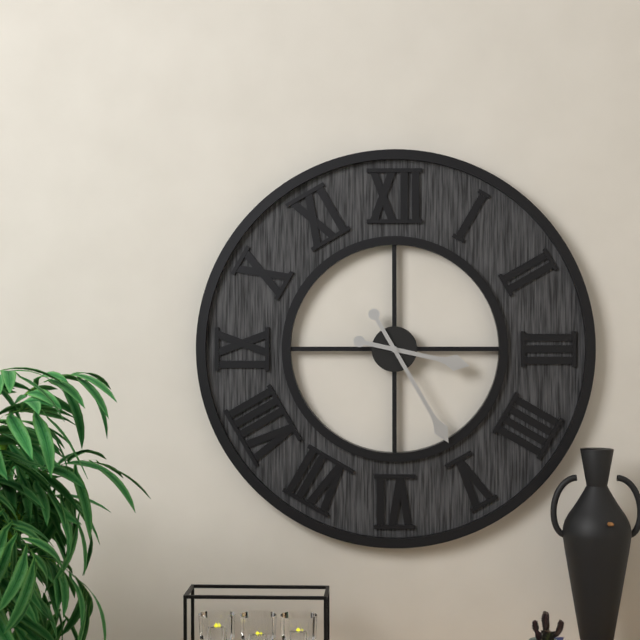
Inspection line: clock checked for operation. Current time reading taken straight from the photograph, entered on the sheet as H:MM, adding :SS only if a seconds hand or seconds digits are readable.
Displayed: 3:25
